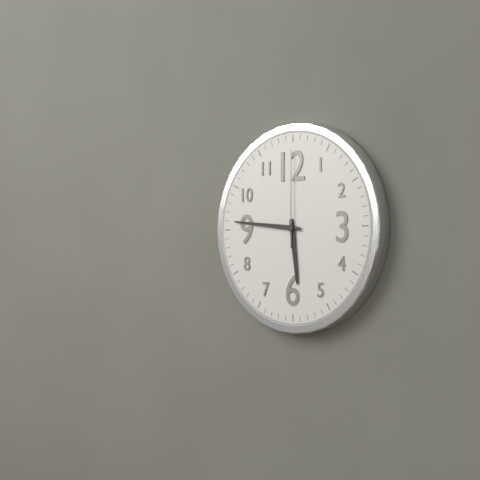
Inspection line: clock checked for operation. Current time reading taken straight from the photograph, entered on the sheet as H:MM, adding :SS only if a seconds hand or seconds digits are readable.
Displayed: 5:46:00
